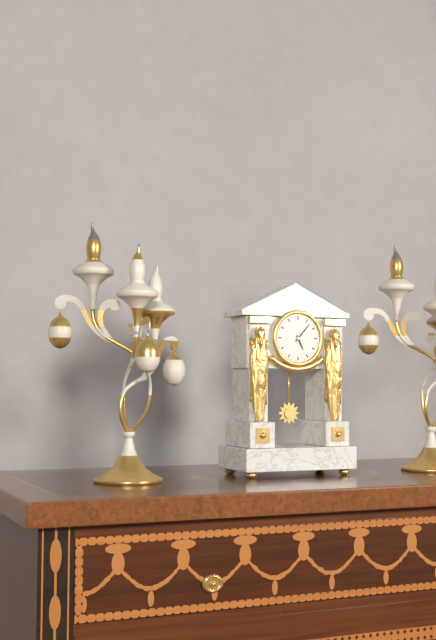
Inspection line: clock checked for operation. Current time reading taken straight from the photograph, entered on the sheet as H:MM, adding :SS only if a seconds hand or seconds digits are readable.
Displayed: 5:07
